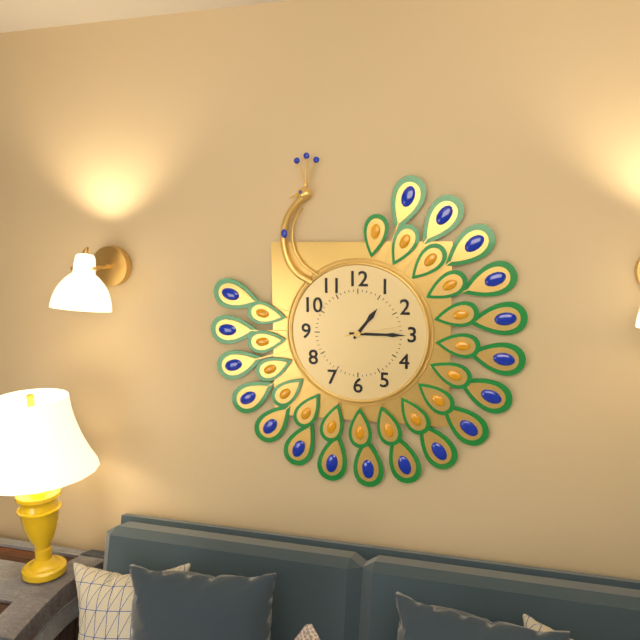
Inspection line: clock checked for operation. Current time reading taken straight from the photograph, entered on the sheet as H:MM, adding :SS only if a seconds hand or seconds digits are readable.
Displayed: 1:15:13
